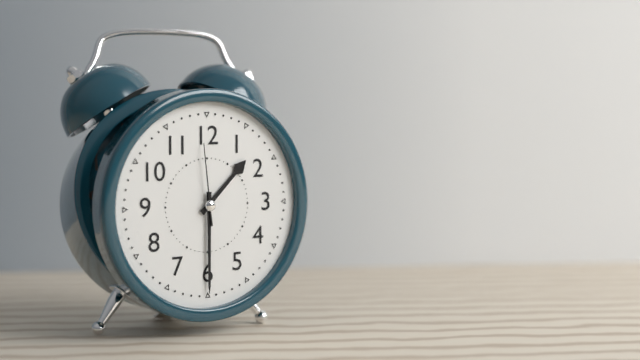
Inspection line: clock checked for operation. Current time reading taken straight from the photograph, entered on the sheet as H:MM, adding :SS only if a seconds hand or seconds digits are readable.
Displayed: 1:30:59
